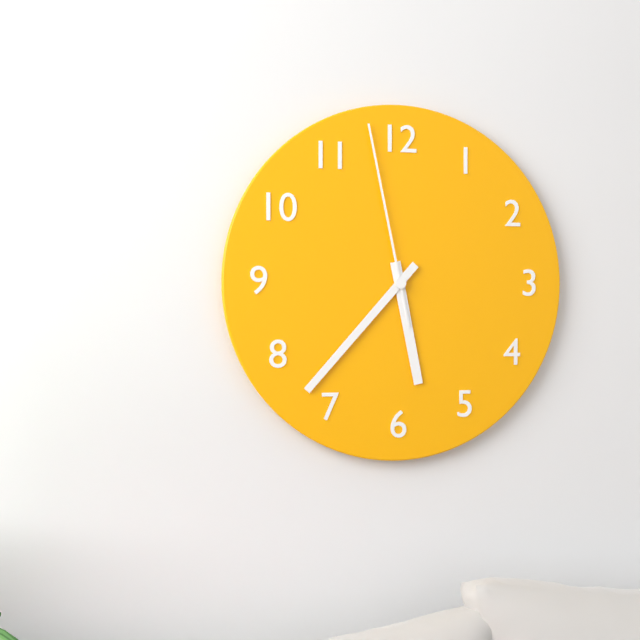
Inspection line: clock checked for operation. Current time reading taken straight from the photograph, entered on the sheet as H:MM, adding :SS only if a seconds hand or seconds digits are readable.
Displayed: 5:37:58
